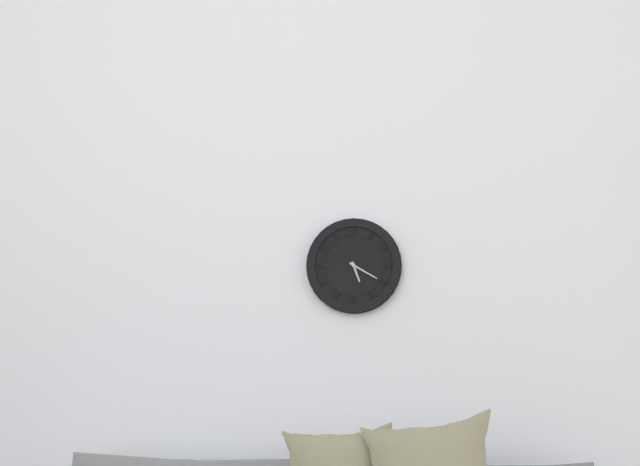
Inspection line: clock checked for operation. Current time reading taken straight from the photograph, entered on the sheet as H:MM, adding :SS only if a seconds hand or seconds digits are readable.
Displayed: 5:20
